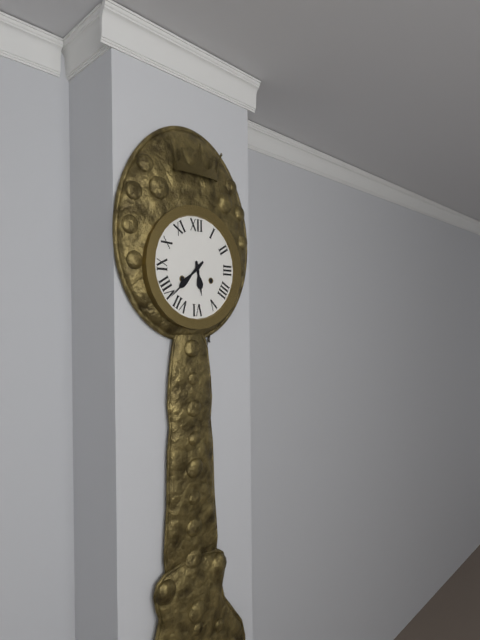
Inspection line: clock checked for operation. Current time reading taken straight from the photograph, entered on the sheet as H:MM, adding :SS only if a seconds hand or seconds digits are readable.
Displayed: 5:38
